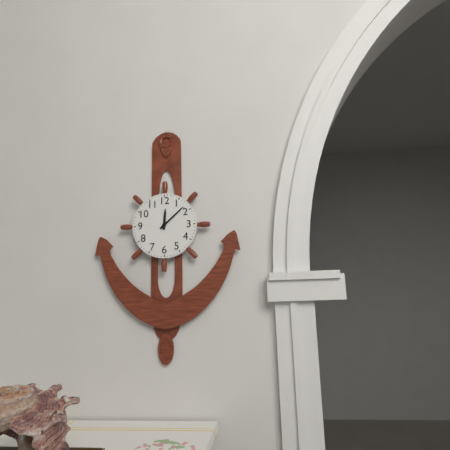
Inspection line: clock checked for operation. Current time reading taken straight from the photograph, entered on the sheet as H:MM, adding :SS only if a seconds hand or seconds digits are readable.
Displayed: 12:08
